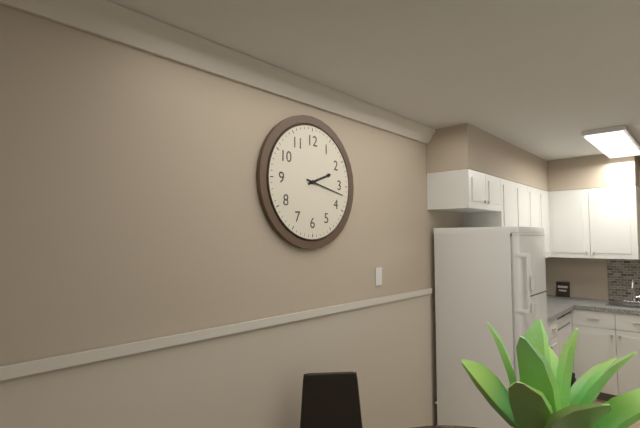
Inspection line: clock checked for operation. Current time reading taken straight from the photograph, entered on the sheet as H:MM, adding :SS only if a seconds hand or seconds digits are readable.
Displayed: 2:17
